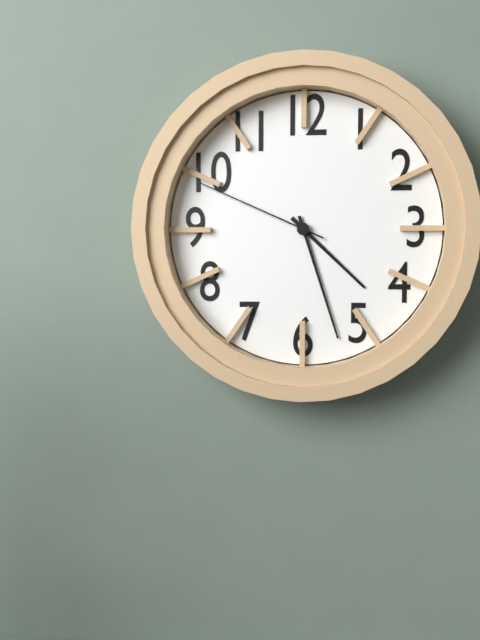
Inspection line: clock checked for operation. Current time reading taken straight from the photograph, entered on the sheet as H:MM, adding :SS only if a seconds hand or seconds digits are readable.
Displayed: 4:27:49
